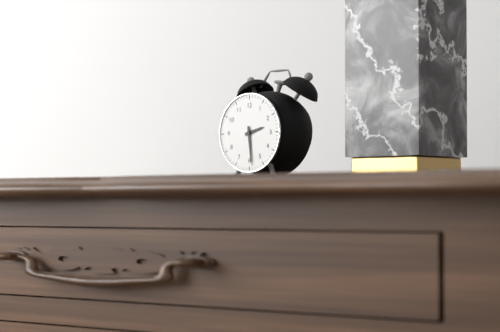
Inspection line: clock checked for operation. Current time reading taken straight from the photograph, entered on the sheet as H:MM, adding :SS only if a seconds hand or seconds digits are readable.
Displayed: 2:29
